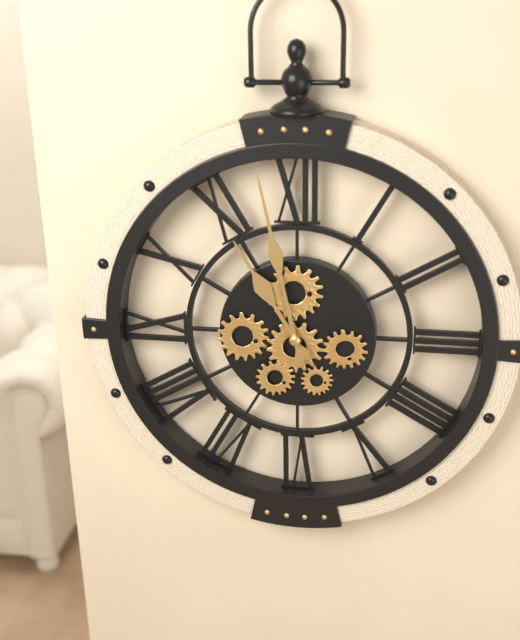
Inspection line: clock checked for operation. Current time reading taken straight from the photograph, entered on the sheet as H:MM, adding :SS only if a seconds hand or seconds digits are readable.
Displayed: 10:58
